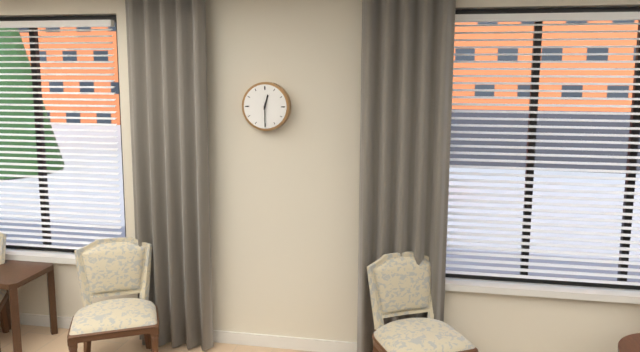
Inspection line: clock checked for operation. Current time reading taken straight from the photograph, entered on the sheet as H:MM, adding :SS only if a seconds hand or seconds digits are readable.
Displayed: 12:30
